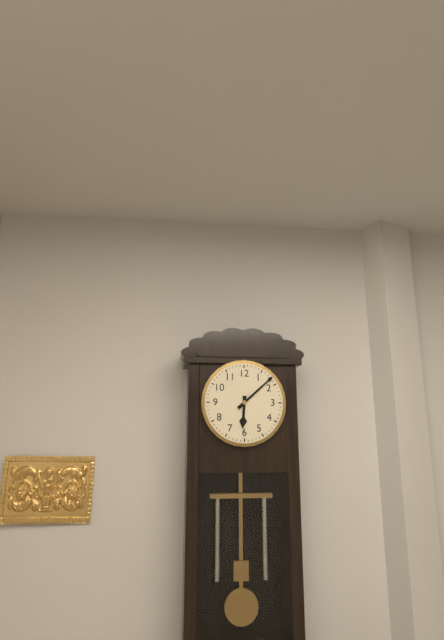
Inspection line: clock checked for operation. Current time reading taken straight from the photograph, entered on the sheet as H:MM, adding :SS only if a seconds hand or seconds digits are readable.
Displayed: 6:08
